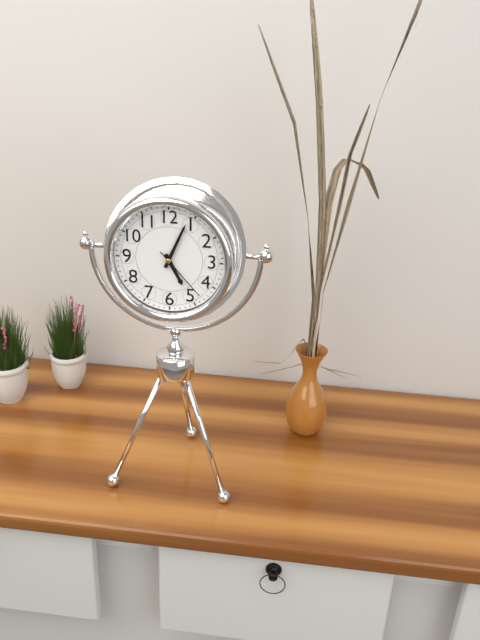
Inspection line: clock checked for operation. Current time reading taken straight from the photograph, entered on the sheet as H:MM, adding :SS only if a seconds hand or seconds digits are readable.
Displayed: 5:04:23
